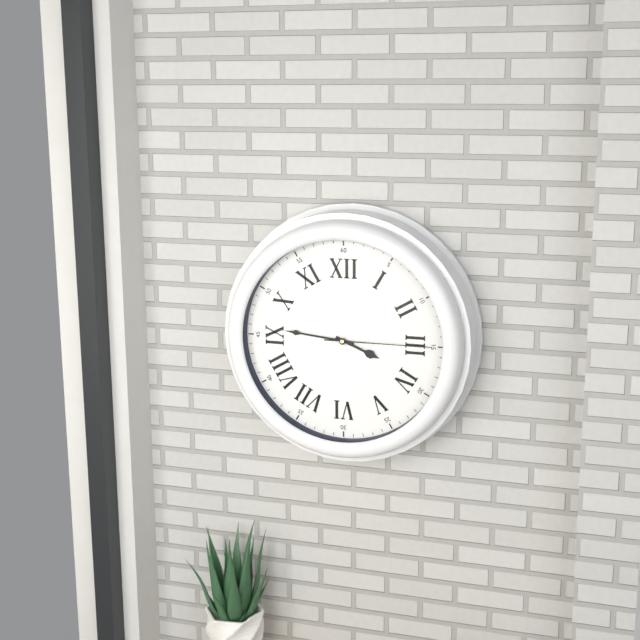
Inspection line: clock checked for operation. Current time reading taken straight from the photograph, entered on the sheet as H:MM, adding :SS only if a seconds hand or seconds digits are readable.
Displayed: 3:46:15
